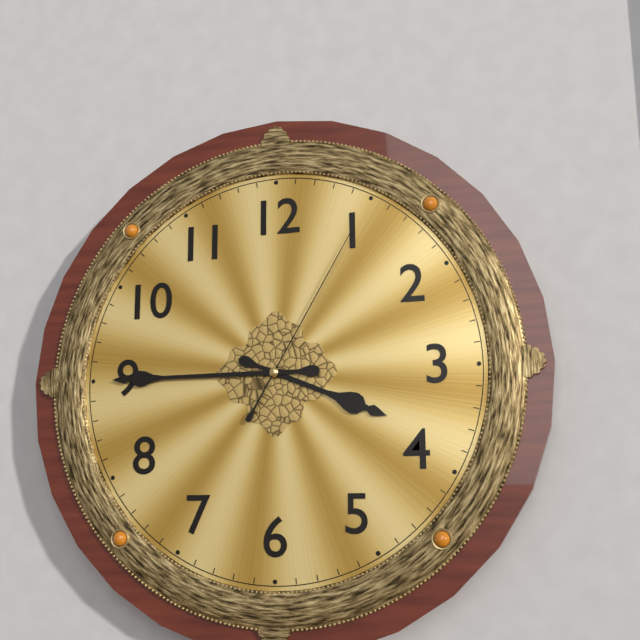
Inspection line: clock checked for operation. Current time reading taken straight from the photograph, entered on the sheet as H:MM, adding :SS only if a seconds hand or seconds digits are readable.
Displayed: 3:45:05
